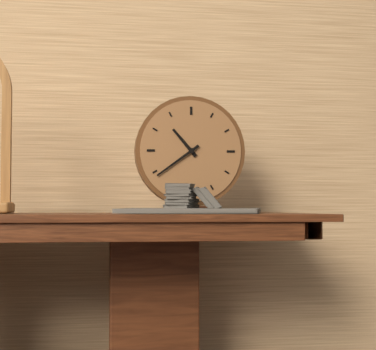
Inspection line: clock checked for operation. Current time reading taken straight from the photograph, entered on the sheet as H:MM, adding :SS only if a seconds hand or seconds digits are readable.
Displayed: 10:39
